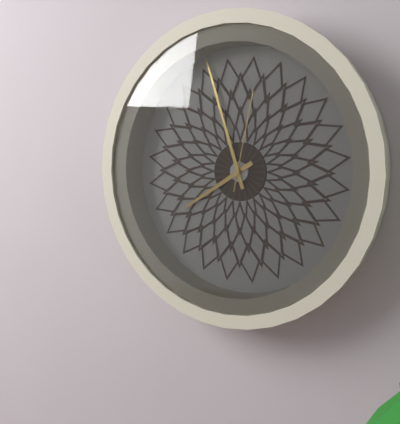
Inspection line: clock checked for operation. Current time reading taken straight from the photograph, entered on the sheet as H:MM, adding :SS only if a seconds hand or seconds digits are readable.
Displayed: 7:57:02
